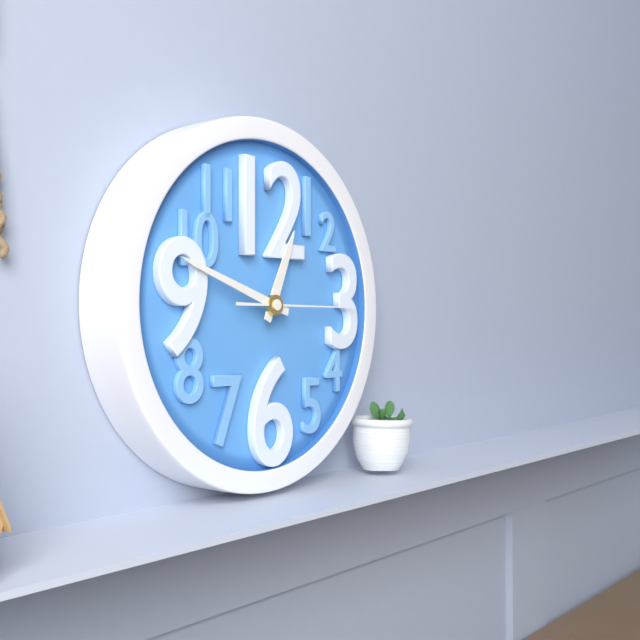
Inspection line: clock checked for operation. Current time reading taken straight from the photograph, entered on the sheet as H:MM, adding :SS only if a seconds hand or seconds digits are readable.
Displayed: 12:48:15
